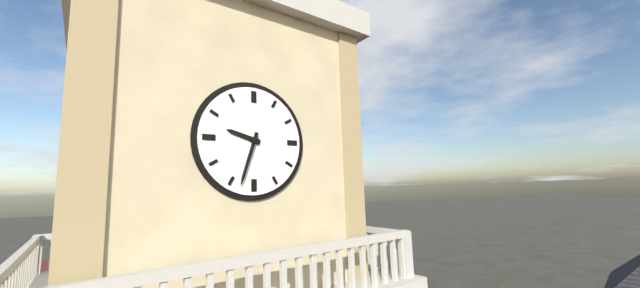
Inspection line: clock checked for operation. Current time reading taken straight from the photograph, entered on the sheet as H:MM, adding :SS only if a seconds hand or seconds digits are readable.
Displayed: 9:33
